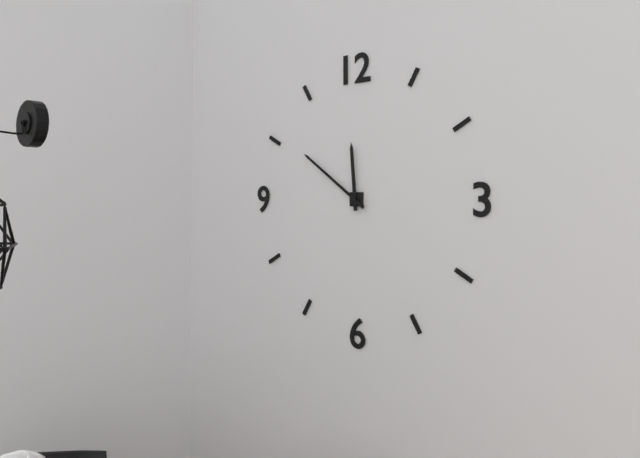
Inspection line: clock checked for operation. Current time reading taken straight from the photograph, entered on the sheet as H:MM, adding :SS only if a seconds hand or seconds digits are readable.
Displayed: 11:51
